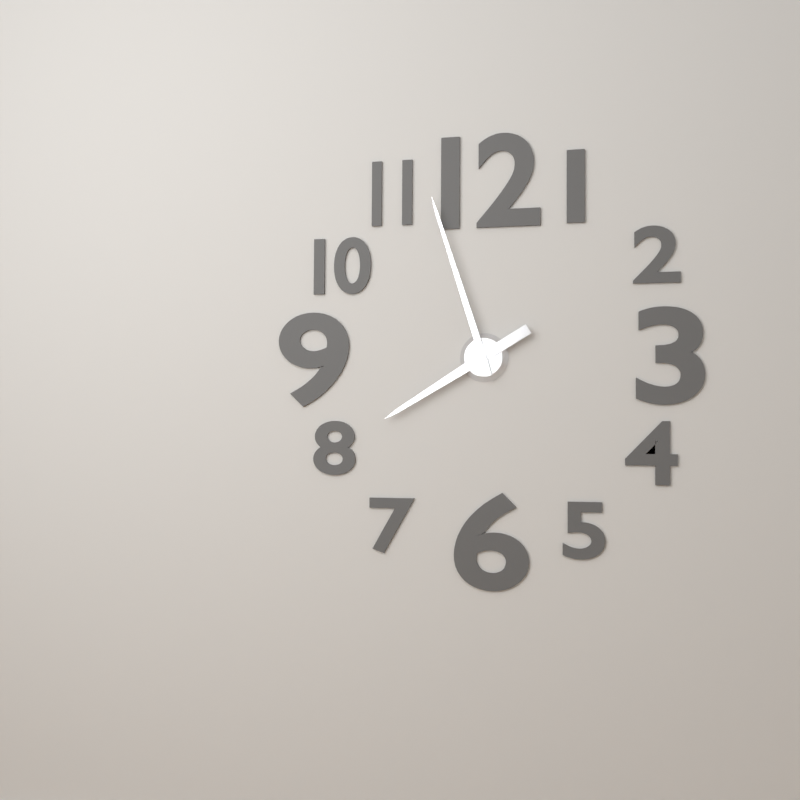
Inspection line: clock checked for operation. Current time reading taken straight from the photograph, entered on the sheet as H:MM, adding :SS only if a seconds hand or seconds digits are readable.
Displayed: 7:57
